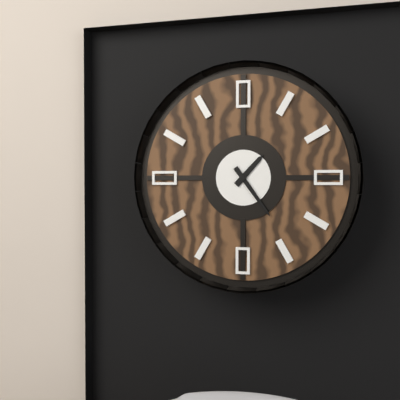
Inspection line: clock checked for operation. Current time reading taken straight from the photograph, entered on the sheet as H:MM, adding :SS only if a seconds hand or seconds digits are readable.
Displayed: 1:24
